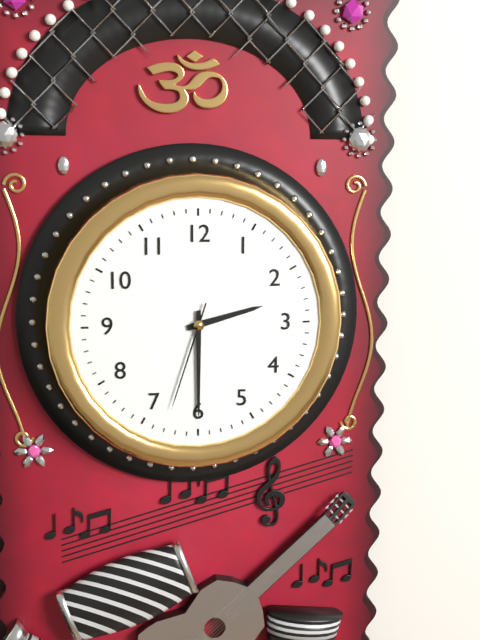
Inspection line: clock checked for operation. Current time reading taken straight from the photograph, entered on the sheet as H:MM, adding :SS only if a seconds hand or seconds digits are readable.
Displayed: 2:30:33
